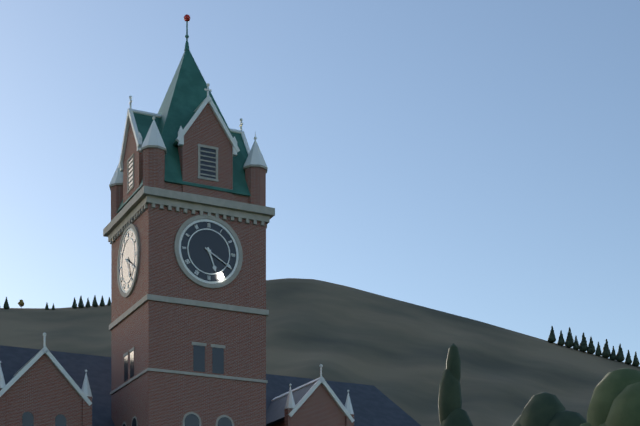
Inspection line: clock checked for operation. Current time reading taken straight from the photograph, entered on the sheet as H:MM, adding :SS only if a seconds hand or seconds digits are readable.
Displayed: 5:20
